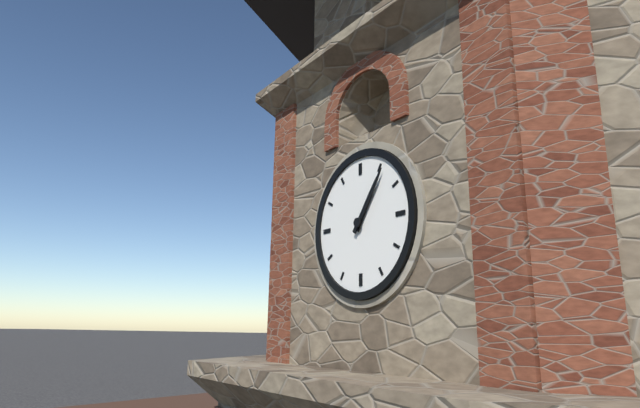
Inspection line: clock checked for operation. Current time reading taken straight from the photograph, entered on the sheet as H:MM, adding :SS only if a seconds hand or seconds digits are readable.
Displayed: 1:06
